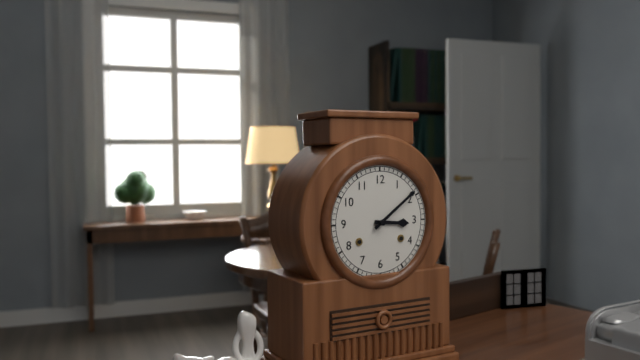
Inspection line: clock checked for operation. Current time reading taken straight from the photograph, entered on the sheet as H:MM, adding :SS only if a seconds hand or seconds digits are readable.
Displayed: 3:09
